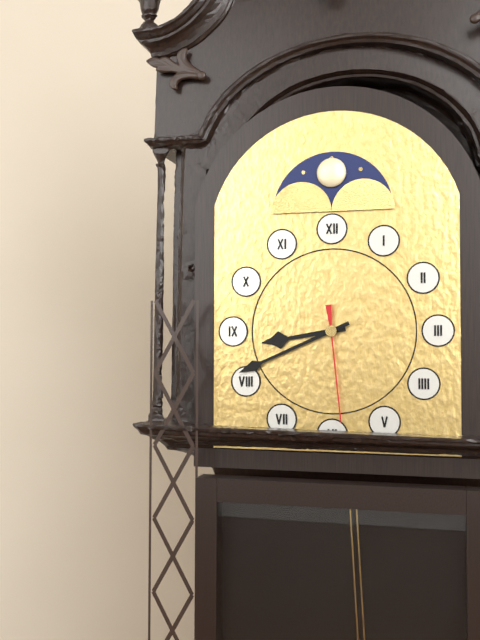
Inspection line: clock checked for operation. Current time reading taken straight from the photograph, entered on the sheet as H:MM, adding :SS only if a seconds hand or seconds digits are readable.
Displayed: 8:41:29
